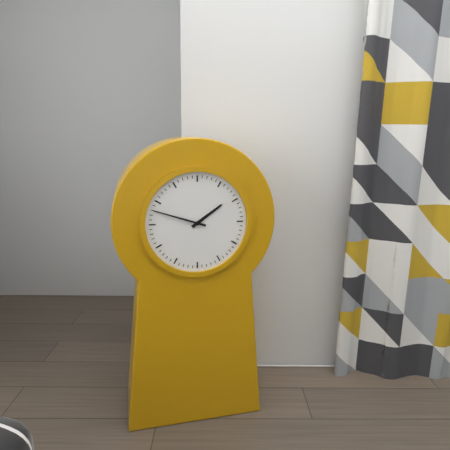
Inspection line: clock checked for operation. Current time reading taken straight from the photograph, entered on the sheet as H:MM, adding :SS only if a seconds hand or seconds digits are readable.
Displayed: 1:48
